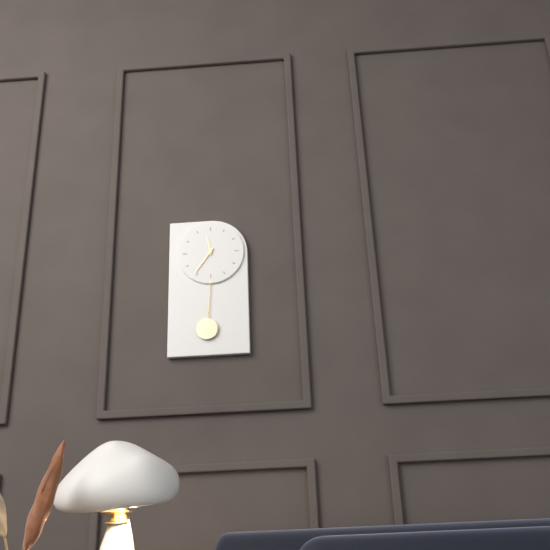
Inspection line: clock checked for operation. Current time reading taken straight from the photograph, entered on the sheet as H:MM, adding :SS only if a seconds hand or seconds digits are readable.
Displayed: 11:36
